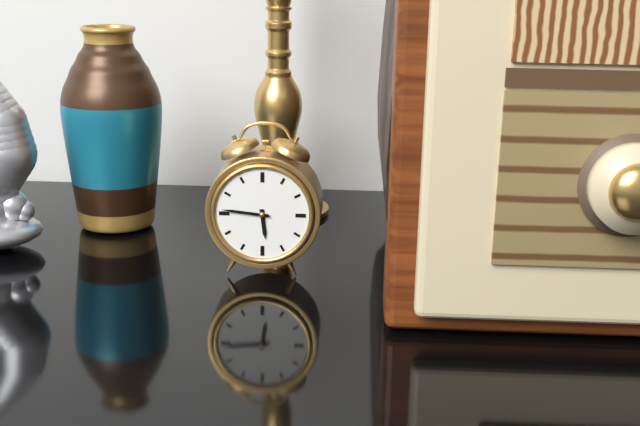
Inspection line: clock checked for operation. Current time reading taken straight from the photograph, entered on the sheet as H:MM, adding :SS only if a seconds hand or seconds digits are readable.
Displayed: 5:46
